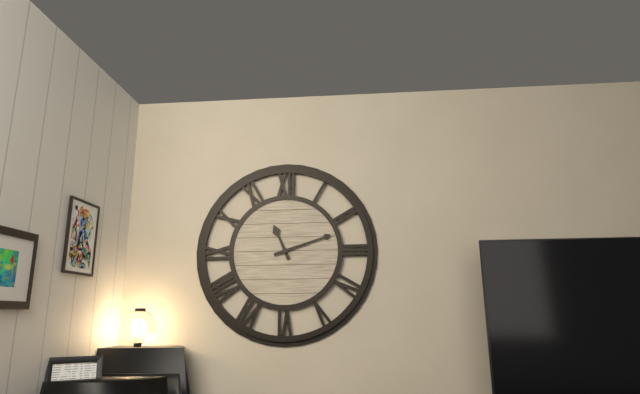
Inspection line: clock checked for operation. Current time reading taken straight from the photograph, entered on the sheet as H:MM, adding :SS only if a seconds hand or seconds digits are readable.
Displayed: 11:12
